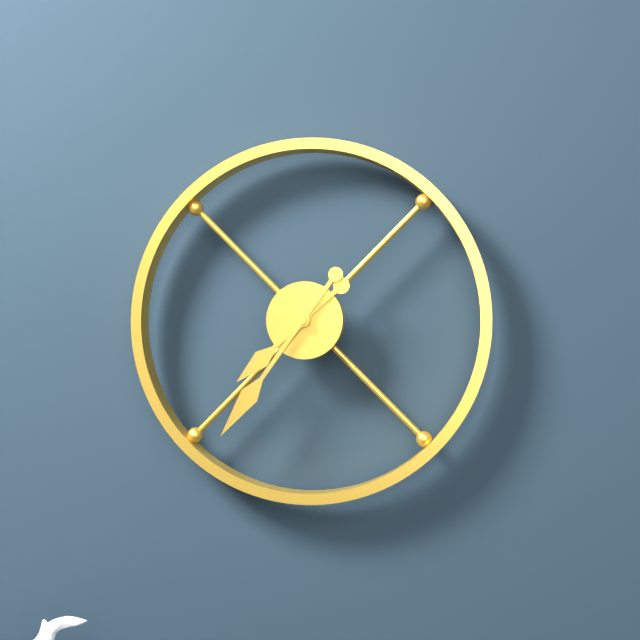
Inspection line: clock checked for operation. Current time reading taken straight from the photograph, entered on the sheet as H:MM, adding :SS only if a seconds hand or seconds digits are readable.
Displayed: 7:36
